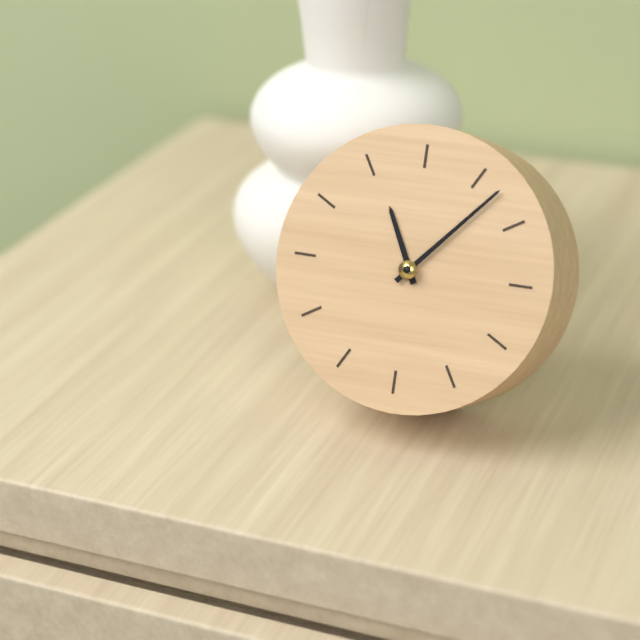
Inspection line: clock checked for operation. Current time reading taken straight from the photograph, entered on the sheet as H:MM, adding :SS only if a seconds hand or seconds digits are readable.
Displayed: 11:07
